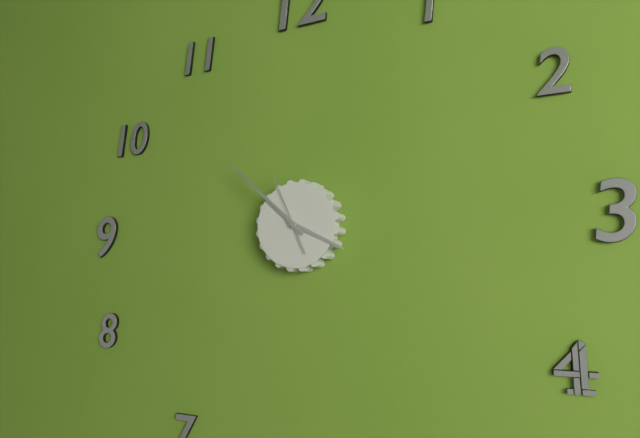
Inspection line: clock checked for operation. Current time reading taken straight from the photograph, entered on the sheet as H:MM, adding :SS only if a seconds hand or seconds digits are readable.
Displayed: 3:52:56
